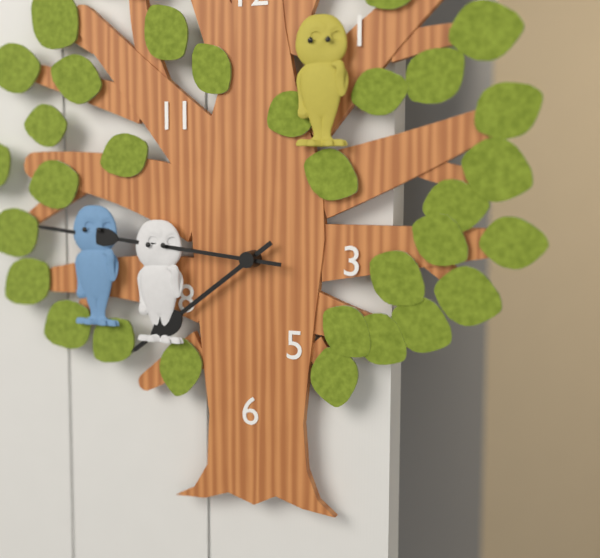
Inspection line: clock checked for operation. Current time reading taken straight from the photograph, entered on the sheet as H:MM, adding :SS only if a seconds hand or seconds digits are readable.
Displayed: 7:46
